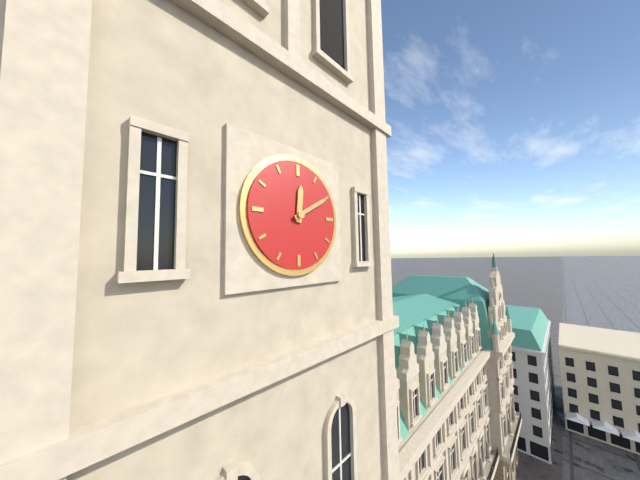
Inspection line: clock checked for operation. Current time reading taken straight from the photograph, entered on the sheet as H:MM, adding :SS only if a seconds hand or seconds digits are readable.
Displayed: 12:10
